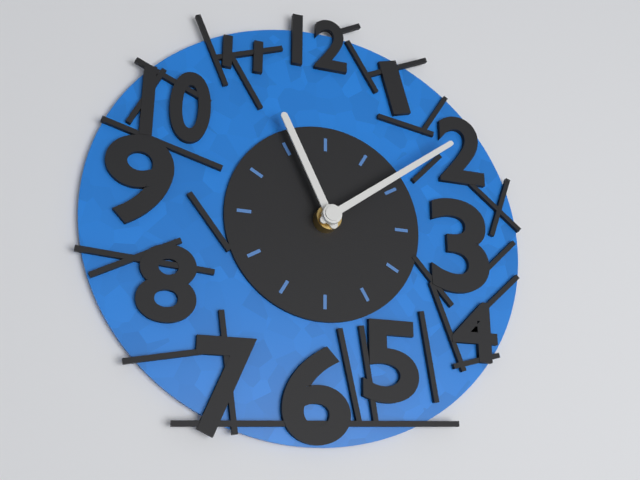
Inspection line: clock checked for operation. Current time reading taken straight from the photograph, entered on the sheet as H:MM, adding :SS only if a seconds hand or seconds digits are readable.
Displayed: 11:09
